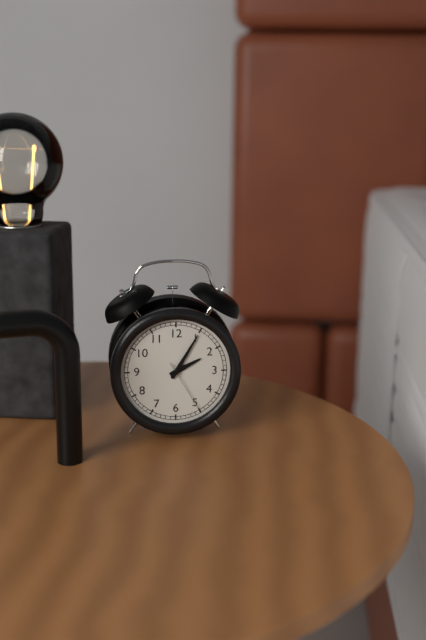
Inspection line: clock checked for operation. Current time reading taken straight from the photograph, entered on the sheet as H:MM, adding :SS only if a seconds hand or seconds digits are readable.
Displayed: 2:05:25
